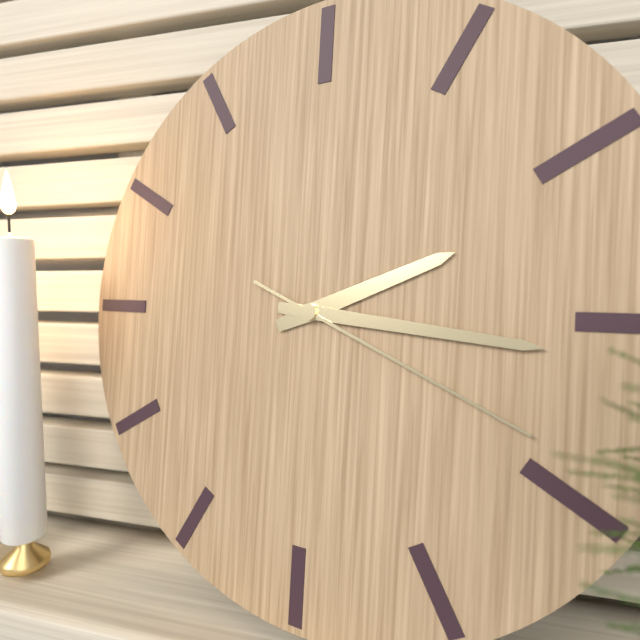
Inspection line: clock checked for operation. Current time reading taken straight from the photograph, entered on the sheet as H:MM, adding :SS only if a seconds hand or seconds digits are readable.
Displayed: 2:16:19
